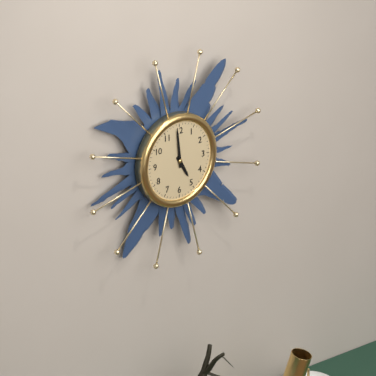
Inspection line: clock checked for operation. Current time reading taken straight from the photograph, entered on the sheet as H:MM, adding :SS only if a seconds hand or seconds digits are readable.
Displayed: 4:59
